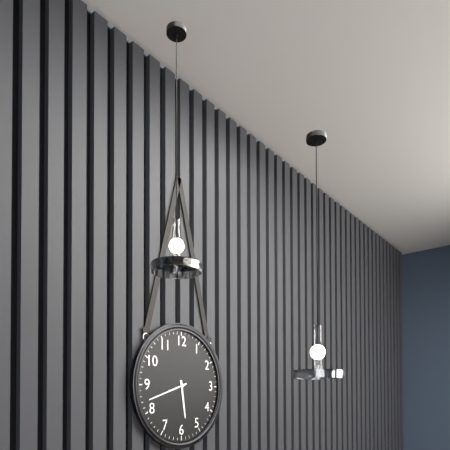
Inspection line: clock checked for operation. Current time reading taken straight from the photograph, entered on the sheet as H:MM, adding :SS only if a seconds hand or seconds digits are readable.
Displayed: 5:42
